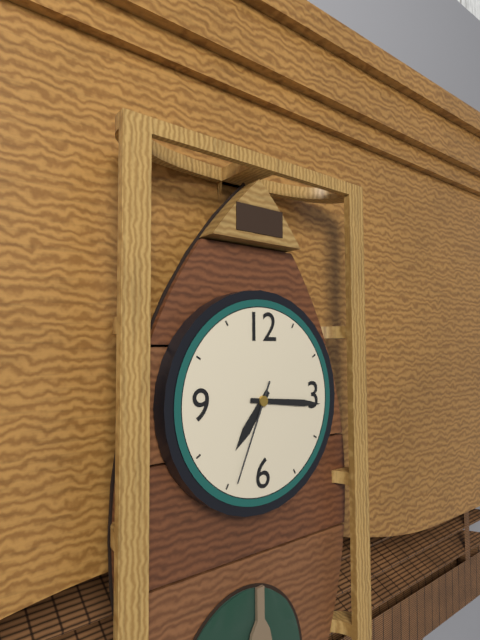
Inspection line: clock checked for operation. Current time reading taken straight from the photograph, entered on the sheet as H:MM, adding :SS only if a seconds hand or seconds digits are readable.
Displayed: 7:16:34
